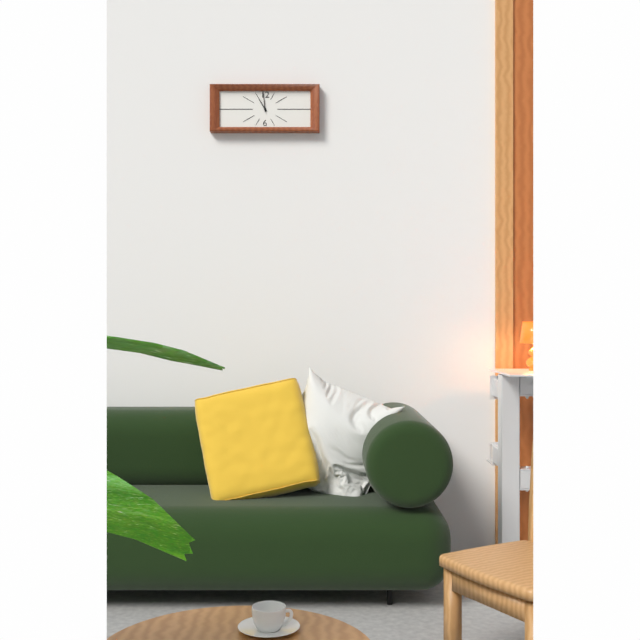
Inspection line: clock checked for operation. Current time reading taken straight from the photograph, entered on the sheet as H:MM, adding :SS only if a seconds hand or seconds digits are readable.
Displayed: 10:59
